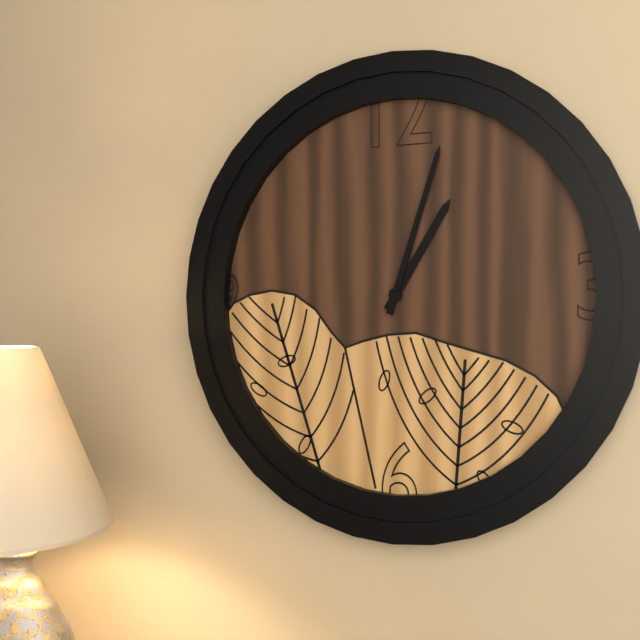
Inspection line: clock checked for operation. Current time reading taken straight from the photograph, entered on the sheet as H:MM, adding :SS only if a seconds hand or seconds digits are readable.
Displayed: 1:03
